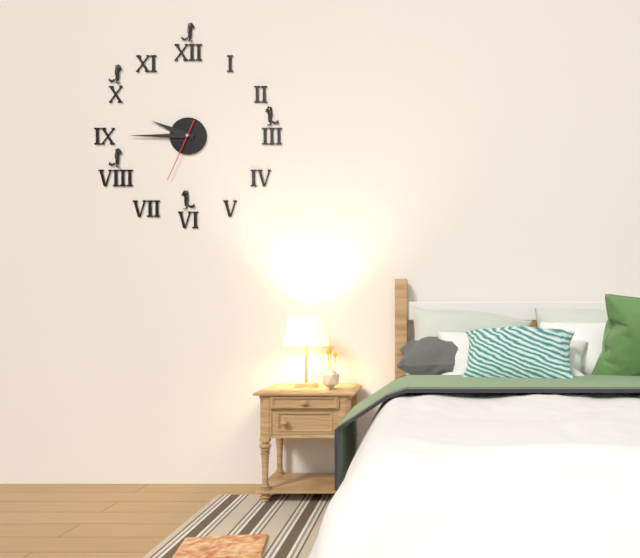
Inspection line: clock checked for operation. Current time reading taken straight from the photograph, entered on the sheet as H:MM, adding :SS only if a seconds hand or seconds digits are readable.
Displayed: 9:45:34
